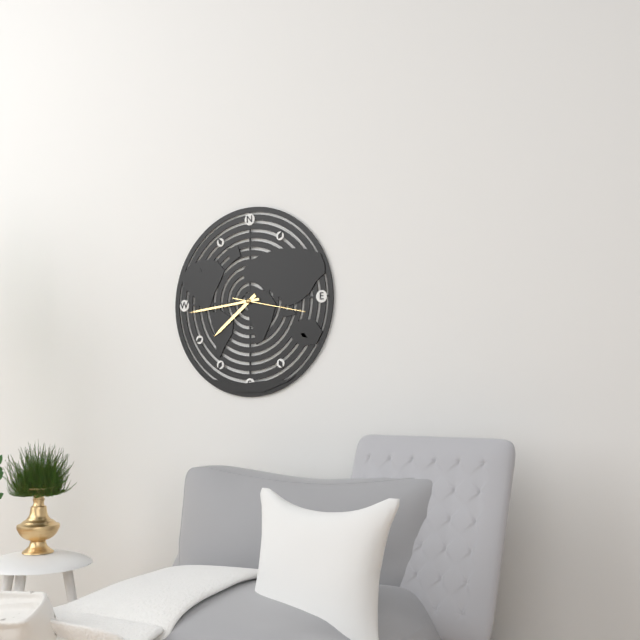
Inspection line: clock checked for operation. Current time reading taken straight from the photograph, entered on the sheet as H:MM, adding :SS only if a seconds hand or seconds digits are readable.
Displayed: 7:44:17
